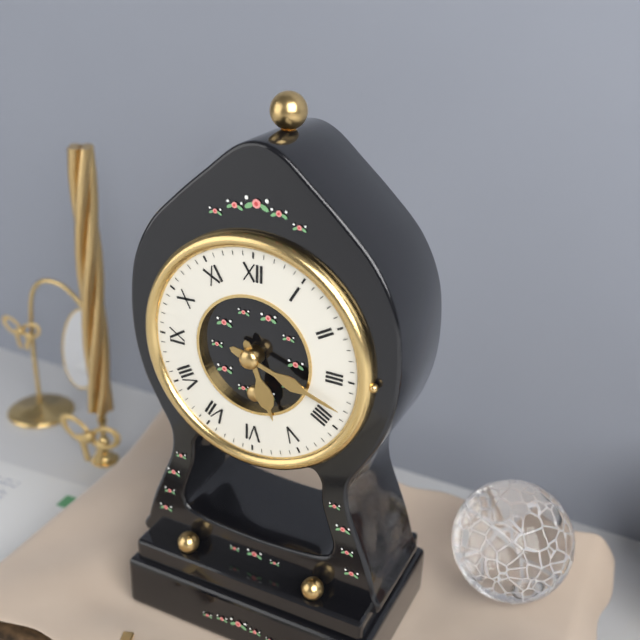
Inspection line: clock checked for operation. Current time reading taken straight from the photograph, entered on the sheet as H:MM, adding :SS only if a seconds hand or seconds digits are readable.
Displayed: 5:18
